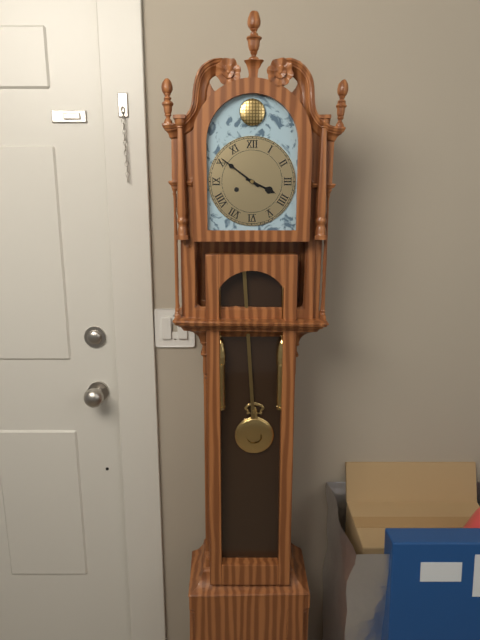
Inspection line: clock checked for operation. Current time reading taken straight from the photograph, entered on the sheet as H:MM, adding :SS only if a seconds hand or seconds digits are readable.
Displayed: 3:51
